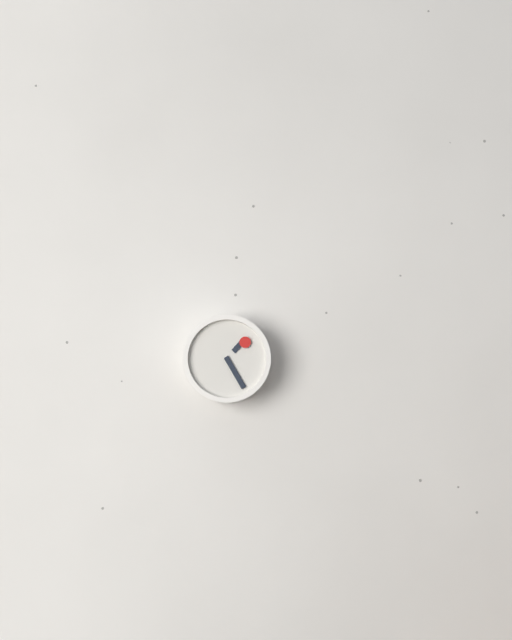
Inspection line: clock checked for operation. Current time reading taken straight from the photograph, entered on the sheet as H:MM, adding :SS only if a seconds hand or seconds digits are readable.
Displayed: 1:25
